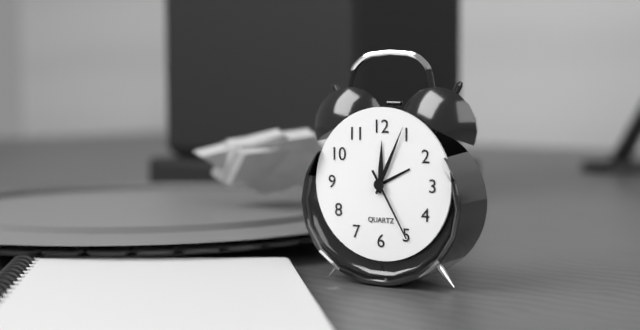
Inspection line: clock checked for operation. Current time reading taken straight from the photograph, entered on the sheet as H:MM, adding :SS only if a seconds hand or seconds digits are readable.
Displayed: 12:04:25
